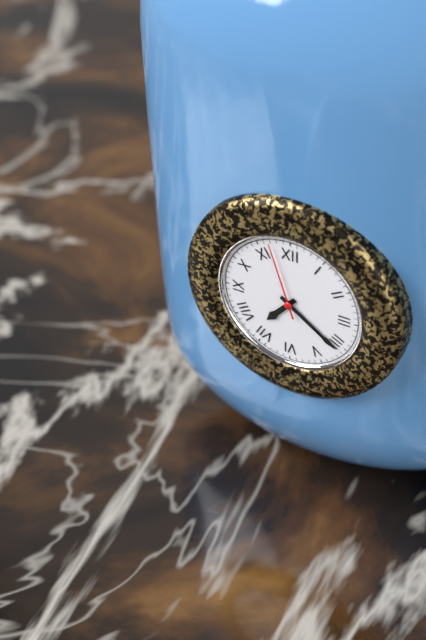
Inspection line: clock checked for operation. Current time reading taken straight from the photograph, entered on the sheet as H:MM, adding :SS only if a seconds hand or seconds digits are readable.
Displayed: 7:21:57
